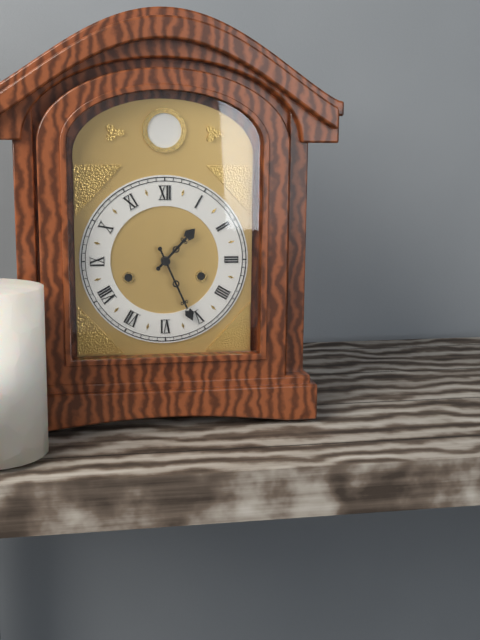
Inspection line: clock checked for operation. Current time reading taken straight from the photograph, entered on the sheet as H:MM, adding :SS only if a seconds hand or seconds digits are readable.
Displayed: 1:26
